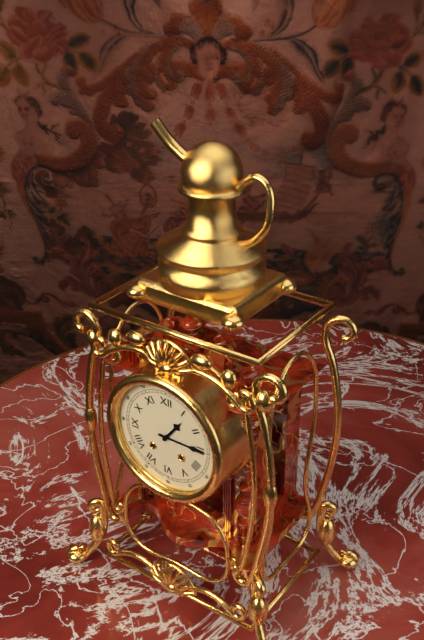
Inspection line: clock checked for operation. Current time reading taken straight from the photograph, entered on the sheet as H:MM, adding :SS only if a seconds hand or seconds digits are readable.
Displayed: 1:15
